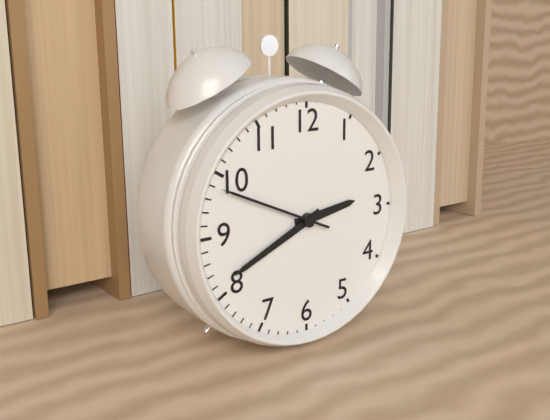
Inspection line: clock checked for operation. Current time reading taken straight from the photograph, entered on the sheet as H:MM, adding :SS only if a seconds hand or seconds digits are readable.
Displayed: 2:41:49
